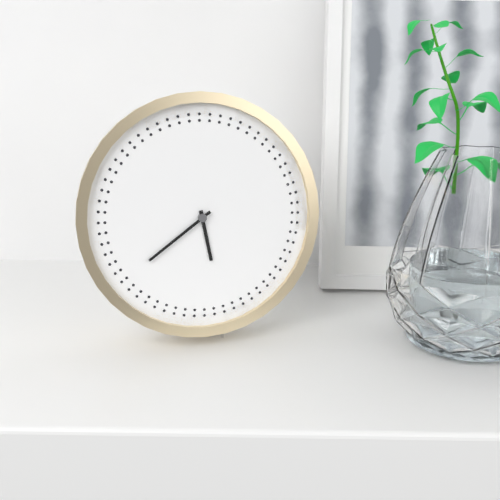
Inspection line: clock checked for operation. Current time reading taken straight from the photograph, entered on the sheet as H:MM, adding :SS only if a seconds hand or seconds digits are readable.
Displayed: 5:39
